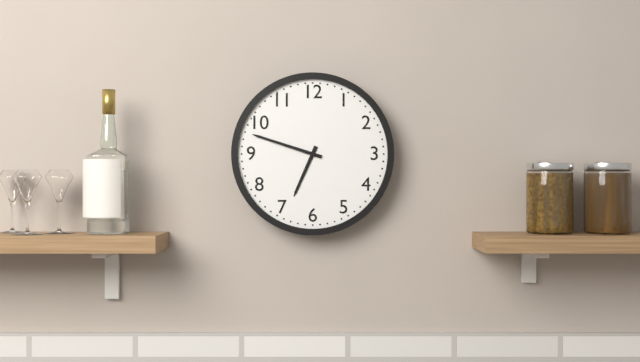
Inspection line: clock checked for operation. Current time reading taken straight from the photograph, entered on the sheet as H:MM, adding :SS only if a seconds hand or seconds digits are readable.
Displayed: 6:48
